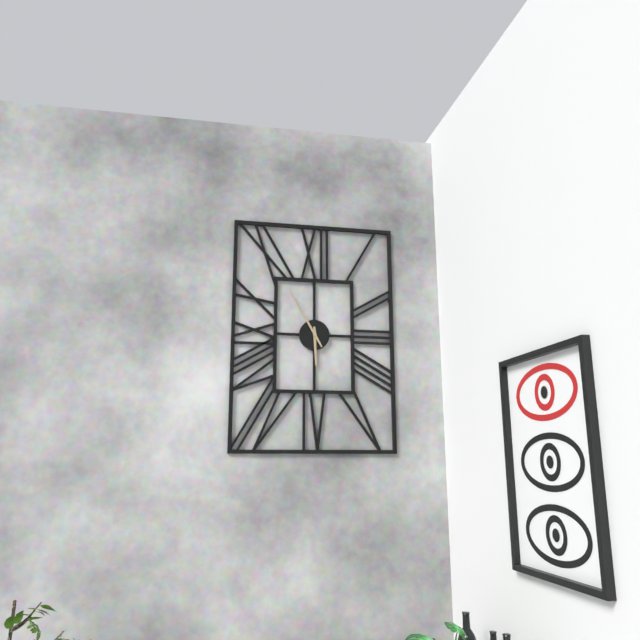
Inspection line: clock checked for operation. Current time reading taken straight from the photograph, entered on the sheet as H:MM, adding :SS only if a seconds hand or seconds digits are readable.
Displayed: 5:55
